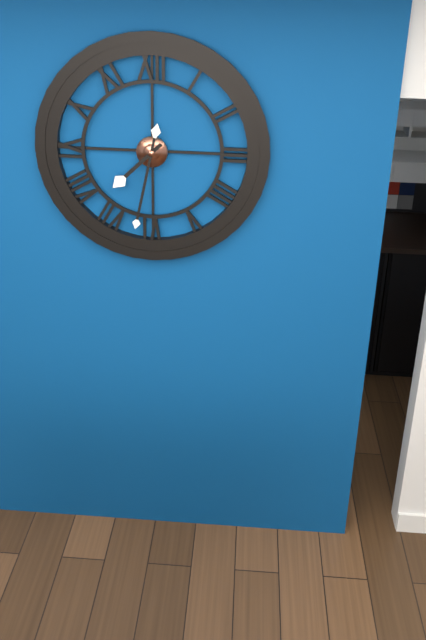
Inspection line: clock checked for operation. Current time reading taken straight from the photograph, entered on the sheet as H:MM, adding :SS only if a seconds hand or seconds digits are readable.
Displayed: 7:32
